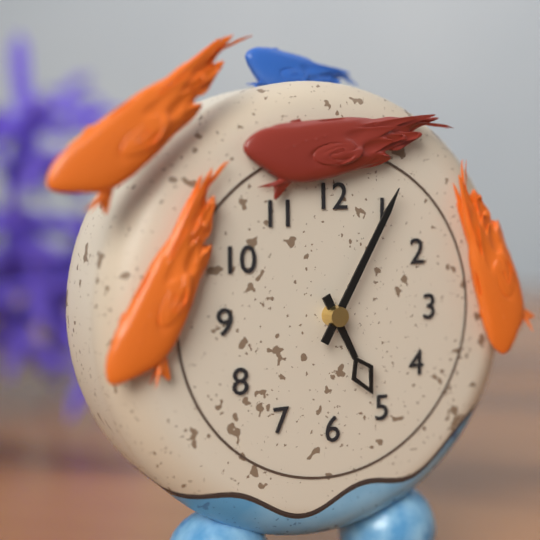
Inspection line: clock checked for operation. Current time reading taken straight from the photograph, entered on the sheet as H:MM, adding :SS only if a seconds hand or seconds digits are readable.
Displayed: 5:05
